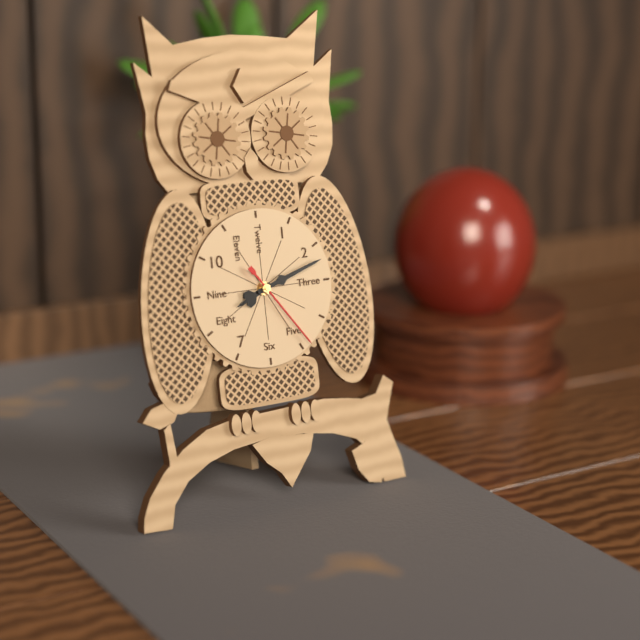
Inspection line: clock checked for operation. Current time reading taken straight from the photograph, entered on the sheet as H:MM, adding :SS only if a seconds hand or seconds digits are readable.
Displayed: 8:12:24
